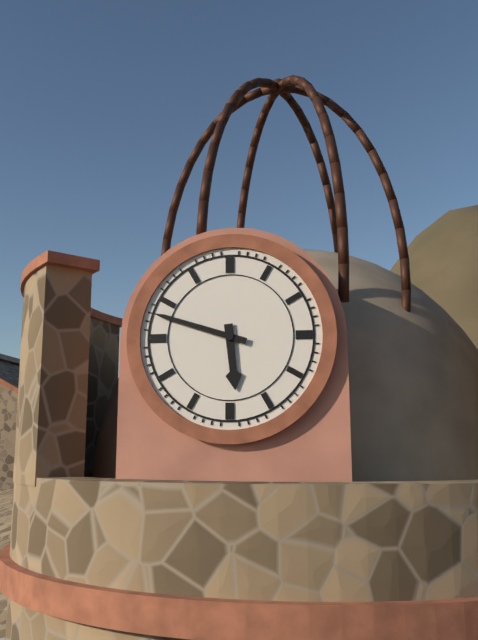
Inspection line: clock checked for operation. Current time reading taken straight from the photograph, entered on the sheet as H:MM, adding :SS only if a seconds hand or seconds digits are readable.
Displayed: 5:48
